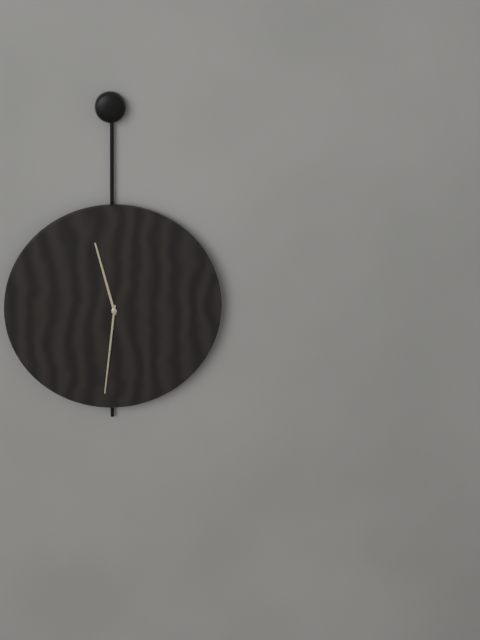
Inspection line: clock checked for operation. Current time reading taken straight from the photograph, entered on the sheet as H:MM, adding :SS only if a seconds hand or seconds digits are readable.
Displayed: 11:31
